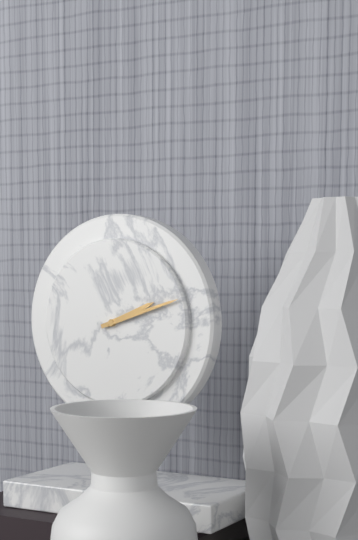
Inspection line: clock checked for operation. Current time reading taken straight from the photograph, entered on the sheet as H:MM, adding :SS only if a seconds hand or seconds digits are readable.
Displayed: 2:12
